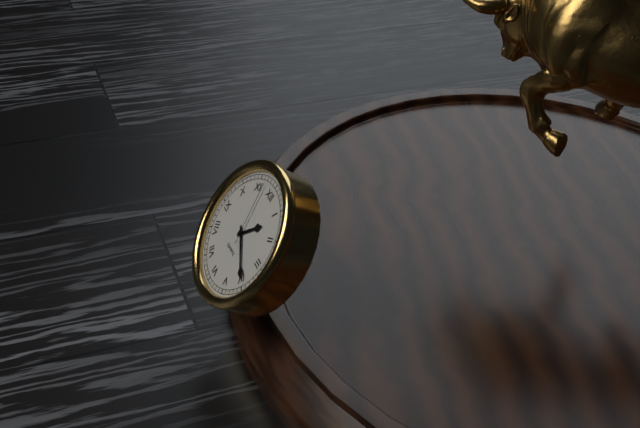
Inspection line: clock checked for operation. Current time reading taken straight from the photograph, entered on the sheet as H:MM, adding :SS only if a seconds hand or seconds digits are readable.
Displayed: 1:20:57
